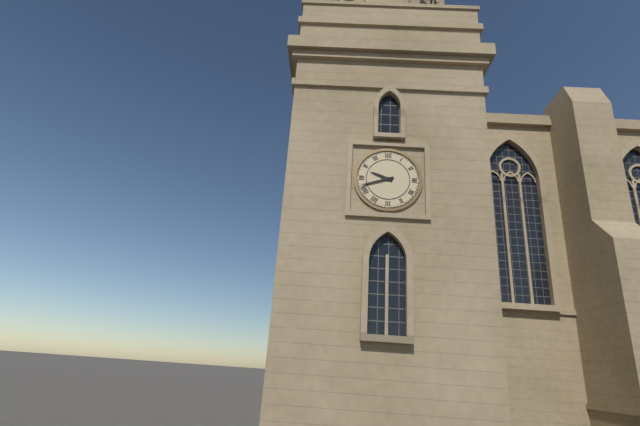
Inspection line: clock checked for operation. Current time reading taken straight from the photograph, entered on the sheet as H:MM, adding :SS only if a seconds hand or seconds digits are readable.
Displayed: 9:42
